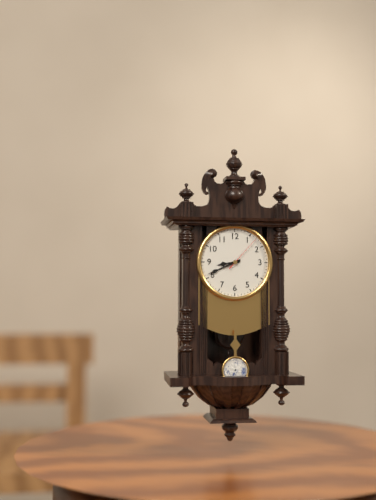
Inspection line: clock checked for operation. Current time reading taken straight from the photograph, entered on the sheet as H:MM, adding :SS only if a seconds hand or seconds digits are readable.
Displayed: 8:41
